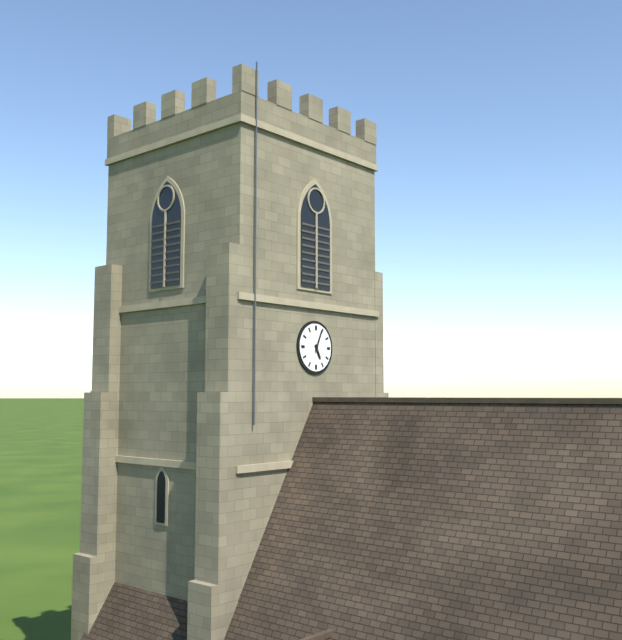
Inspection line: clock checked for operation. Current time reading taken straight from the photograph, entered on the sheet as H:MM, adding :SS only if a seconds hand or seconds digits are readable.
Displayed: 5:04
